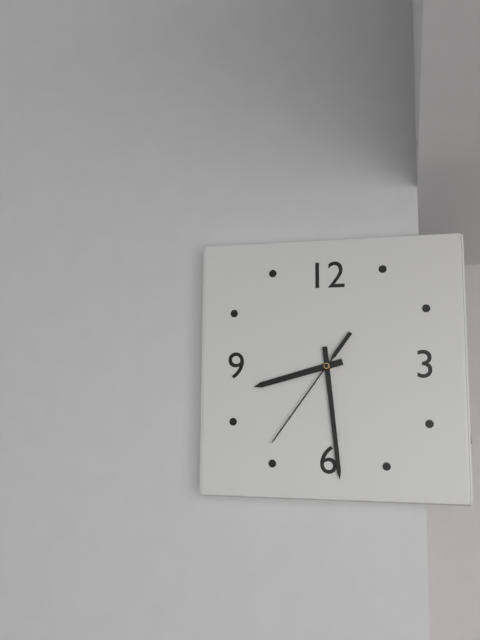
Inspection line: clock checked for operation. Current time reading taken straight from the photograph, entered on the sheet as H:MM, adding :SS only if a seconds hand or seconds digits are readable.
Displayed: 8:29:36
